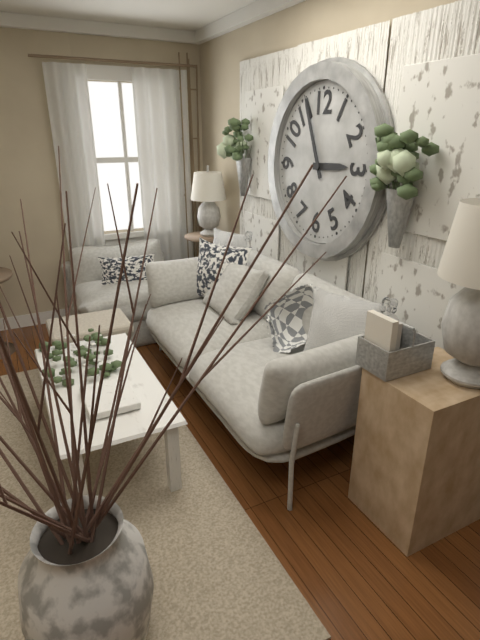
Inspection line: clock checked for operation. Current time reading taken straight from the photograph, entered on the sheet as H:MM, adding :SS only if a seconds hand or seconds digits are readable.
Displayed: 2:56
